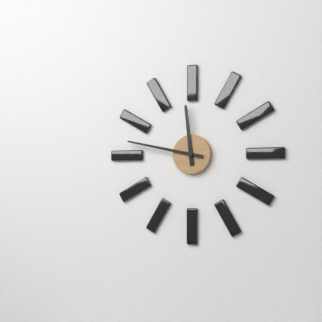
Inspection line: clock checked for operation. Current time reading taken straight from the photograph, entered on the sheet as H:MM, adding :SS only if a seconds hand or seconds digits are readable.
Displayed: 11:47
